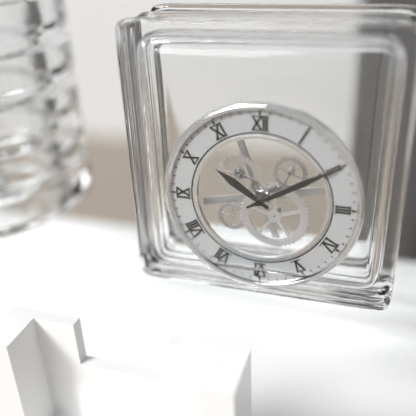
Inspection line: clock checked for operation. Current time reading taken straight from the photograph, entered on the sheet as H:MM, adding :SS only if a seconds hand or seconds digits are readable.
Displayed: 10:10
